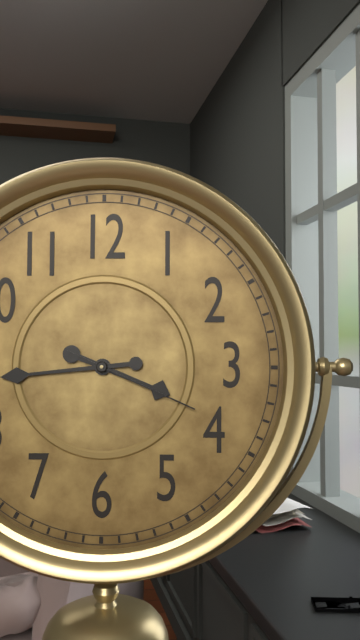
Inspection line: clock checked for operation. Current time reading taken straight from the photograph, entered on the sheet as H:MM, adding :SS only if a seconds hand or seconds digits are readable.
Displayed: 3:44:19
